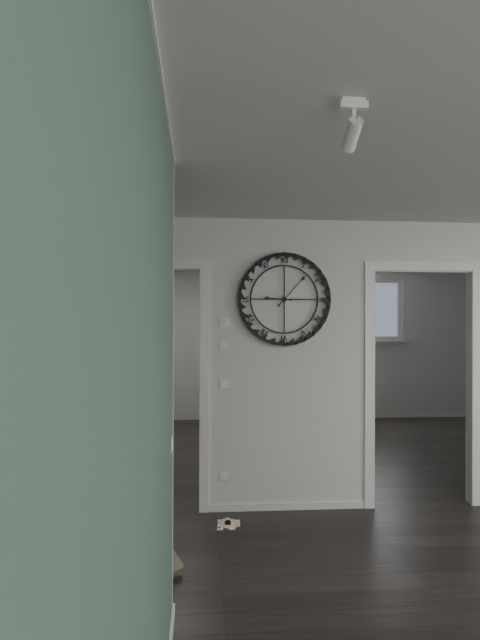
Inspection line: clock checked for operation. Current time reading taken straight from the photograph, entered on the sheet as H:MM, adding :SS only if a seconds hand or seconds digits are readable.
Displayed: 9:07
